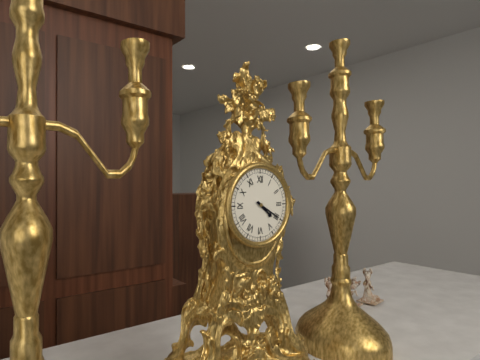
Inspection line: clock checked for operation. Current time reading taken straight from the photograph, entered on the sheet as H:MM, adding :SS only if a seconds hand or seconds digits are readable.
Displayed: 4:20
